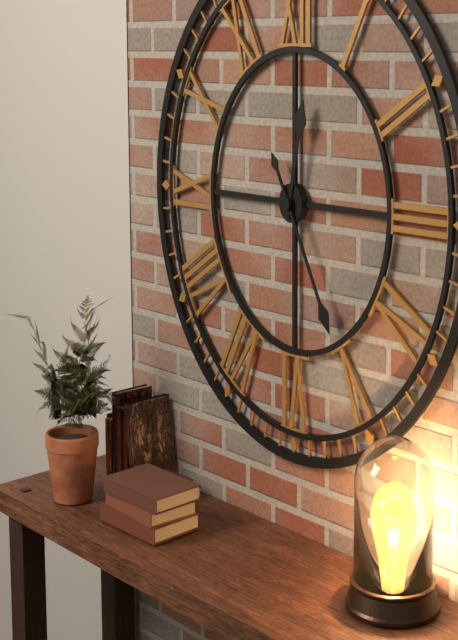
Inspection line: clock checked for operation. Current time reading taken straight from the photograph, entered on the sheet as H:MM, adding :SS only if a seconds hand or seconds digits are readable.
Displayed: 12:25
